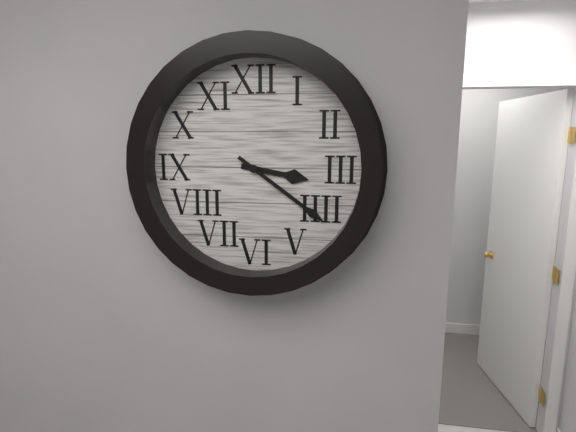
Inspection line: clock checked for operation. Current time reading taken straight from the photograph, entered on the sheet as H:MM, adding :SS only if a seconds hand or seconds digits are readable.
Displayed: 3:21
